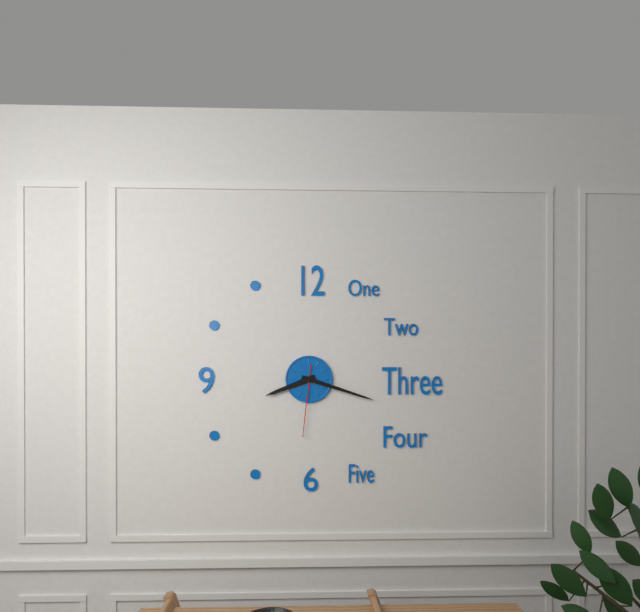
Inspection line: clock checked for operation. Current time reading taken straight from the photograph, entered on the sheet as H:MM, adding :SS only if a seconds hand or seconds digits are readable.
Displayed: 8:18:31
